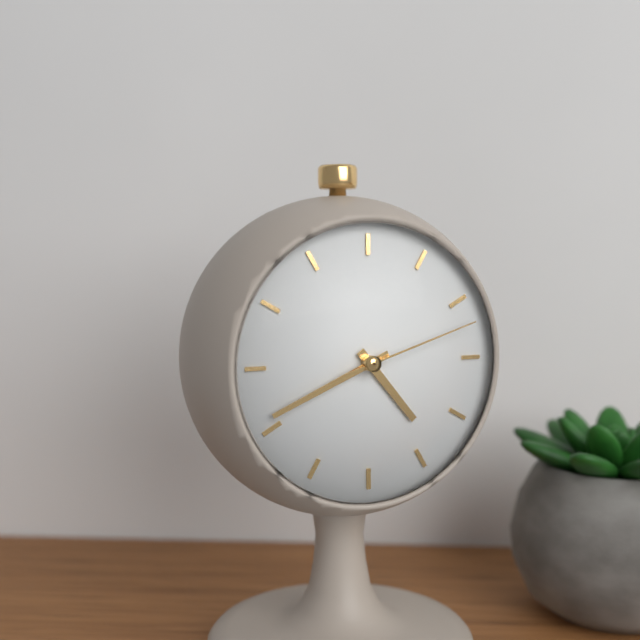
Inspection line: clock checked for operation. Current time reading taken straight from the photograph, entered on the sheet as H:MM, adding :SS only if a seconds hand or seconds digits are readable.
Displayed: 4:41:12
